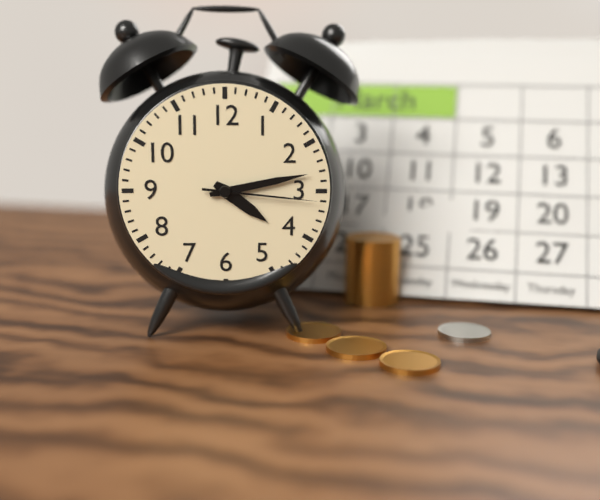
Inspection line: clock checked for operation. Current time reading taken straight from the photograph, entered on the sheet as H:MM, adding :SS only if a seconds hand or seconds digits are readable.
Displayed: 4:13:16
